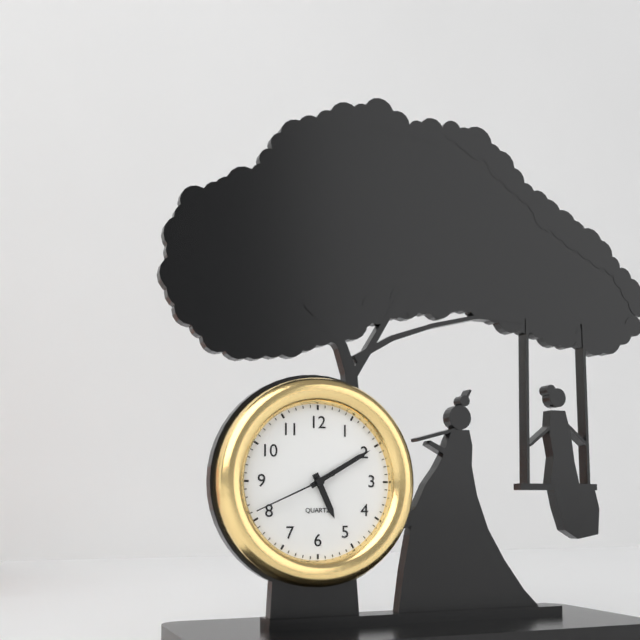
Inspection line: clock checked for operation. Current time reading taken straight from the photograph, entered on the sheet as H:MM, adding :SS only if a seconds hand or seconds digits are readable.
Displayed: 5:10:41
